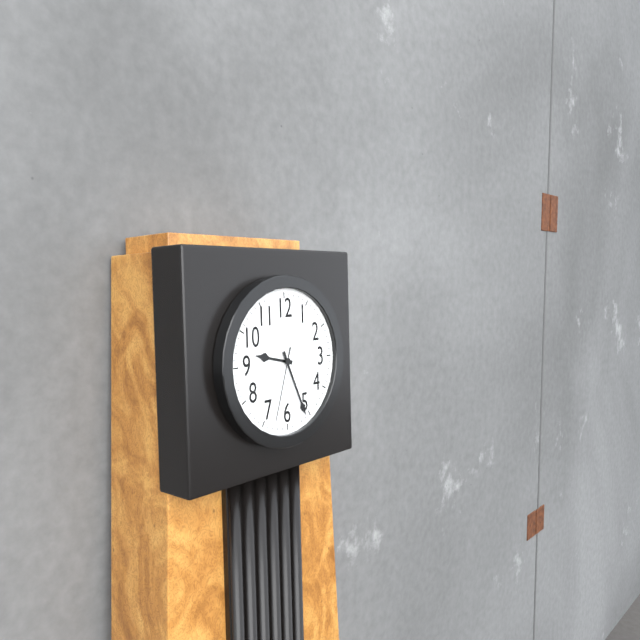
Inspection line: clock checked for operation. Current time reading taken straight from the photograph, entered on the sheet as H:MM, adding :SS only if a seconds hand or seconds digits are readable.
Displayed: 9:26:33
